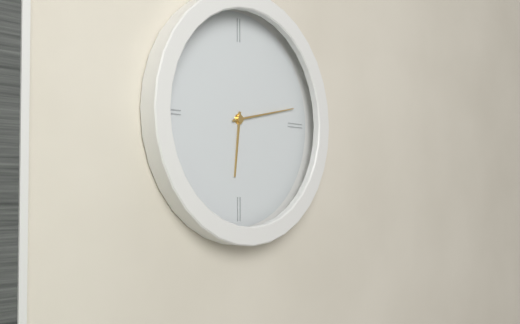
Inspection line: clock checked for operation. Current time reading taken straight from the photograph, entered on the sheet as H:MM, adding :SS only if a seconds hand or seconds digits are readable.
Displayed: 6:13
